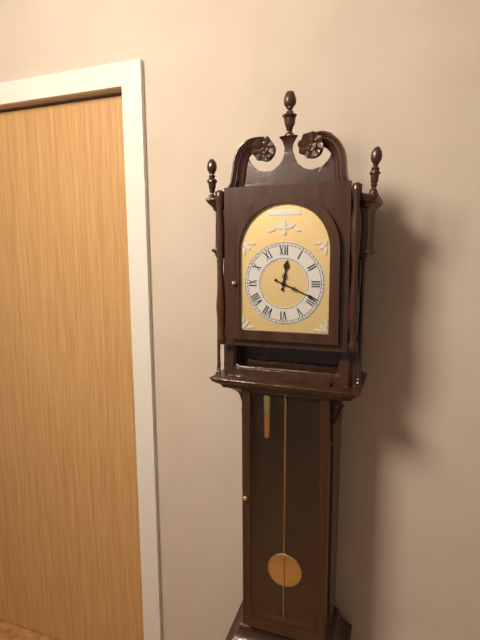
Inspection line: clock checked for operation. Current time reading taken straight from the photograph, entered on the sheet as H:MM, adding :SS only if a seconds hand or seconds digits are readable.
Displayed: 12:19
